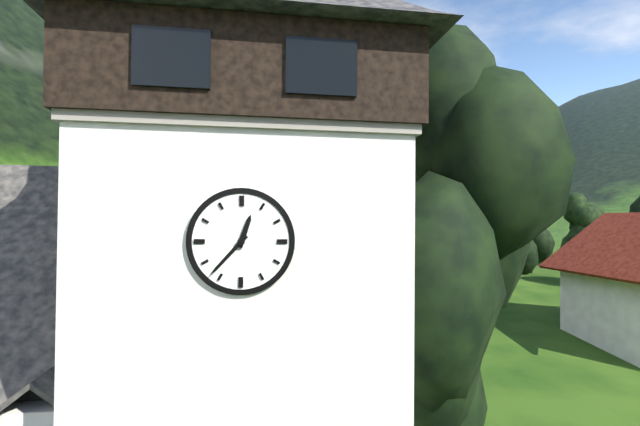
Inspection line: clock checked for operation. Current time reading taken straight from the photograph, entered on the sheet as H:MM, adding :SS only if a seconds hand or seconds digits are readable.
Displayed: 12:37
